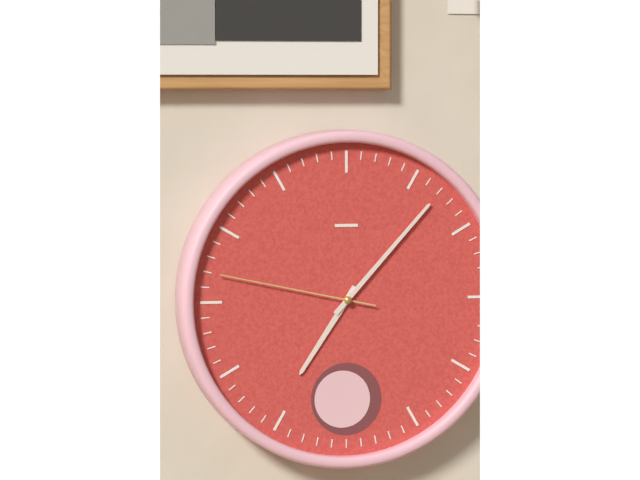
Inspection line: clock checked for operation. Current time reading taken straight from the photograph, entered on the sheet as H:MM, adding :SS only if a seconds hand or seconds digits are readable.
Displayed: 7:07:47
